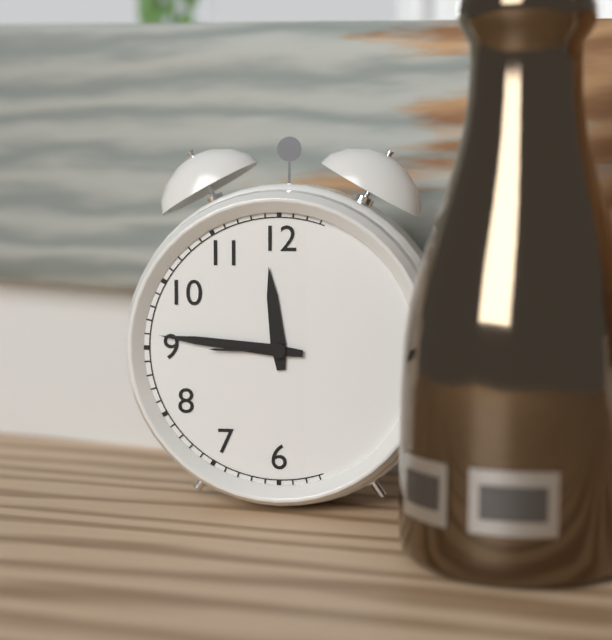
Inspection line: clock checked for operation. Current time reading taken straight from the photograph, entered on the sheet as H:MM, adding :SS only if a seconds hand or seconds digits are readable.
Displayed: 11:46
